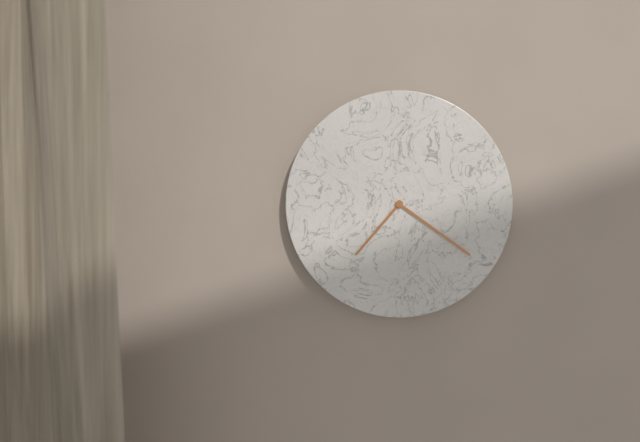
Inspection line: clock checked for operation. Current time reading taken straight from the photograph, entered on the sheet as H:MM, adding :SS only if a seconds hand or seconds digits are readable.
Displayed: 7:21
